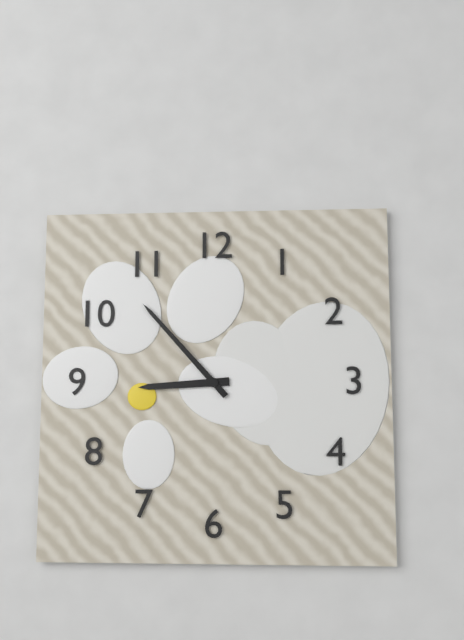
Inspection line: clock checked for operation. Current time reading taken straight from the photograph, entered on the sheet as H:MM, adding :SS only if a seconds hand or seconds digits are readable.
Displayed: 8:53
